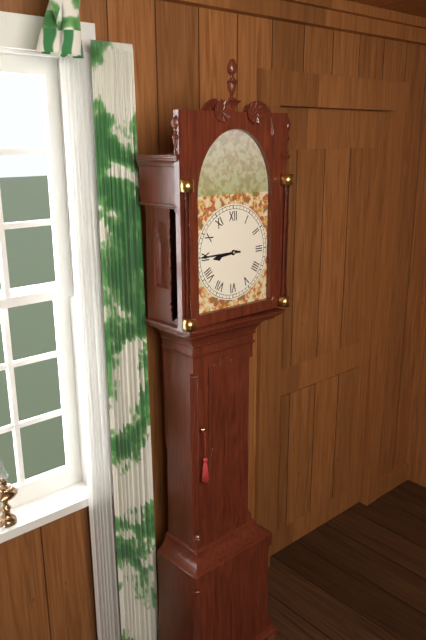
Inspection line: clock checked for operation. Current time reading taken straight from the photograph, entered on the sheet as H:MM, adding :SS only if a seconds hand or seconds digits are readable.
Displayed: 8:45
